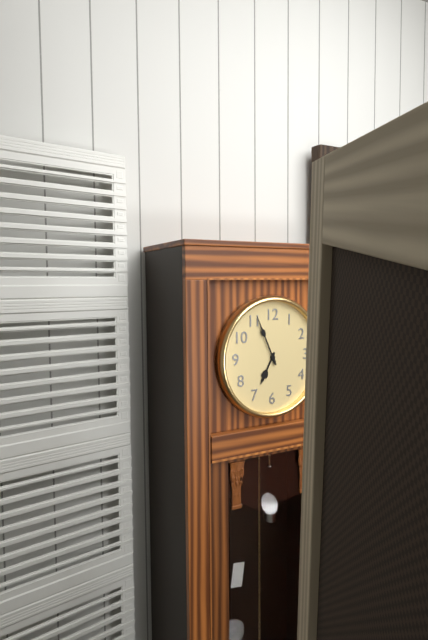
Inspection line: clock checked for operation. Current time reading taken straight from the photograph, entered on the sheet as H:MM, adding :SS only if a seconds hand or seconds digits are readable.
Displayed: 6:56
